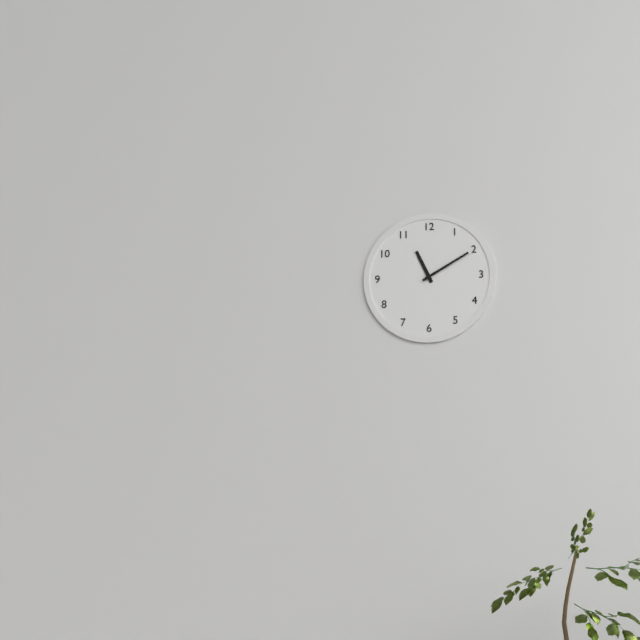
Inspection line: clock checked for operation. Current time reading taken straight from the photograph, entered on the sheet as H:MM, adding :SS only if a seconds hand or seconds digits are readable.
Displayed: 11:10
